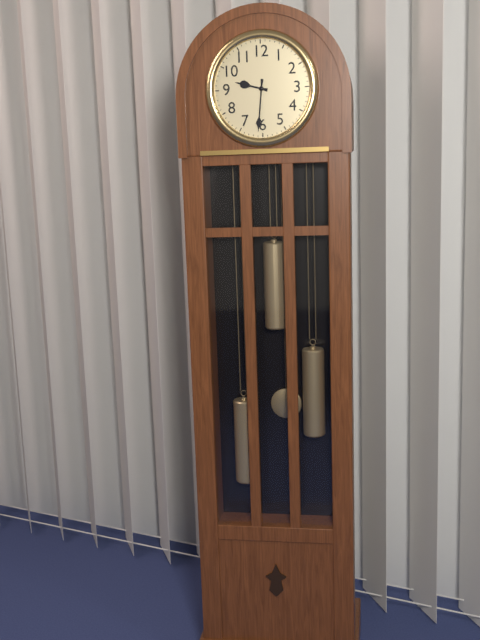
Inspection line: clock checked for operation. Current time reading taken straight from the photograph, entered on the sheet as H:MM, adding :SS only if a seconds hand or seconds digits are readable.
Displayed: 9:31
